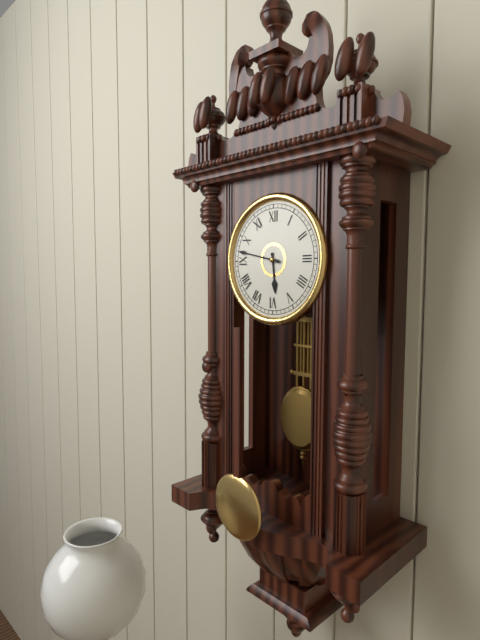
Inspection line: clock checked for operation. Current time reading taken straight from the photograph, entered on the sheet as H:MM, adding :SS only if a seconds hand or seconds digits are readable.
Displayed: 5:47
